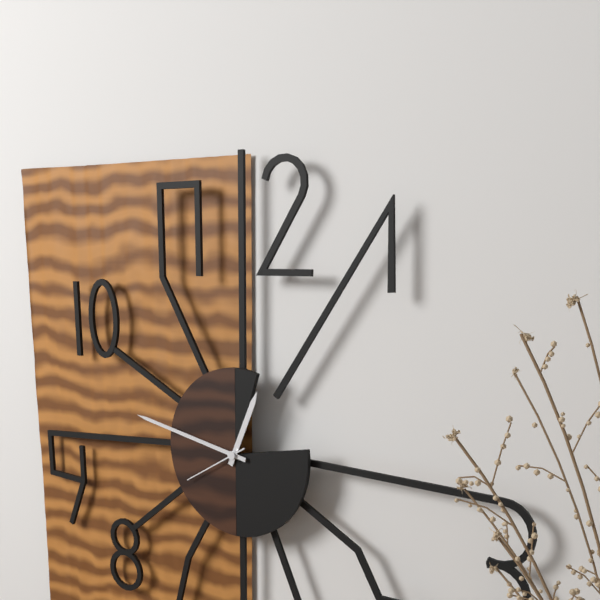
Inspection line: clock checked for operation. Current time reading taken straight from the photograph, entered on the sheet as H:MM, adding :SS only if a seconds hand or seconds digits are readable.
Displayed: 12:47:40
